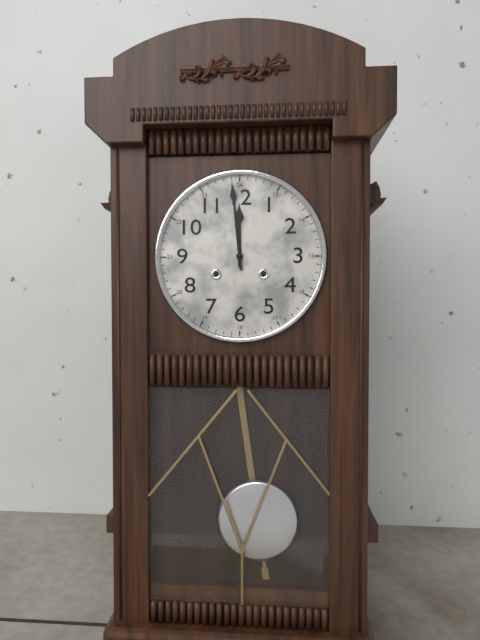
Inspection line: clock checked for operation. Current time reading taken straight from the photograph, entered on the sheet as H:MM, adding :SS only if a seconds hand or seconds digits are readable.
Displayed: 11:59
